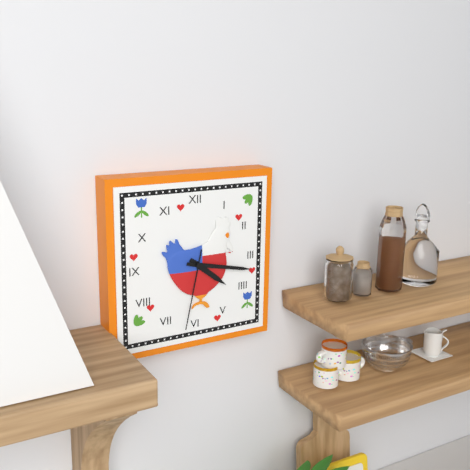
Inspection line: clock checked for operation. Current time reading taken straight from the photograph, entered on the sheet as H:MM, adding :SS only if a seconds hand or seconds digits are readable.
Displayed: 4:17:32
